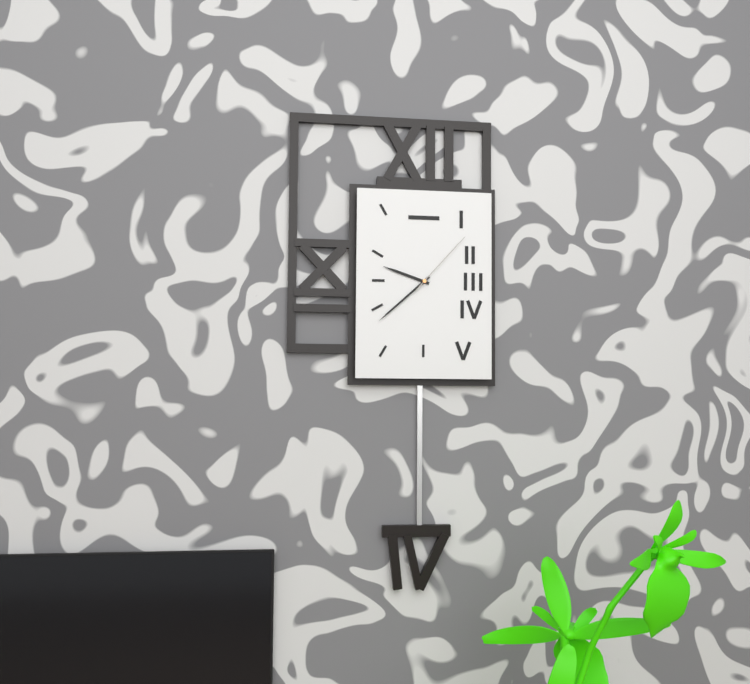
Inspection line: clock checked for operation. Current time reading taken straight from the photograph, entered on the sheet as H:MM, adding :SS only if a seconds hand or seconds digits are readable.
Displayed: 9:38:07
